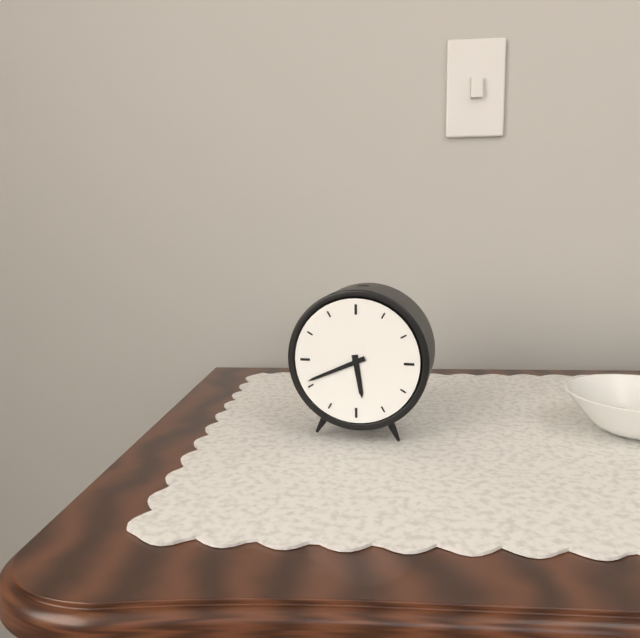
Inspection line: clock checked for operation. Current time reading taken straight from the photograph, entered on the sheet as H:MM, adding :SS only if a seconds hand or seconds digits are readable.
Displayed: 5:41
